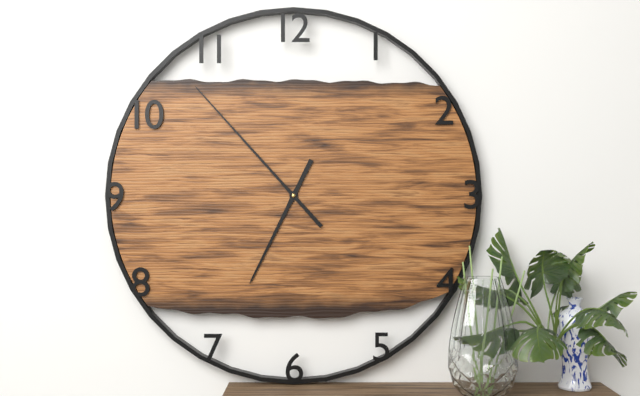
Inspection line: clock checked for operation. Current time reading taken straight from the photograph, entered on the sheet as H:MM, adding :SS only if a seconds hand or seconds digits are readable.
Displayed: 6:53
